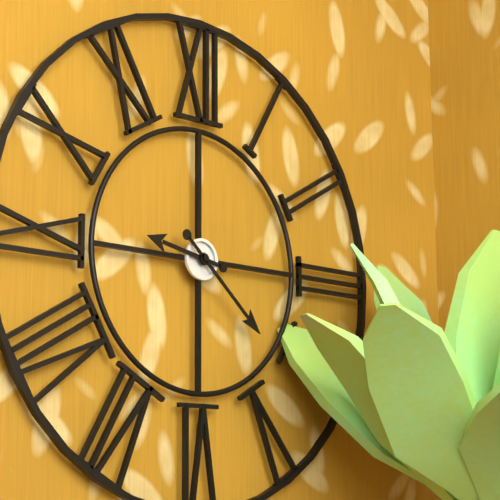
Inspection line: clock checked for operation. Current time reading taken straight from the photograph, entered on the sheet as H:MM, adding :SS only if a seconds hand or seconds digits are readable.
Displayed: 9:22
